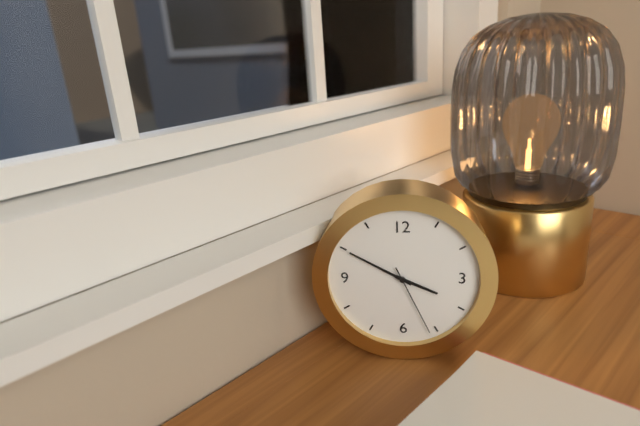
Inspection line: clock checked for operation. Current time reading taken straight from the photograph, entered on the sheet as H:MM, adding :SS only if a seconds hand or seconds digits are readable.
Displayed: 3:50:26
